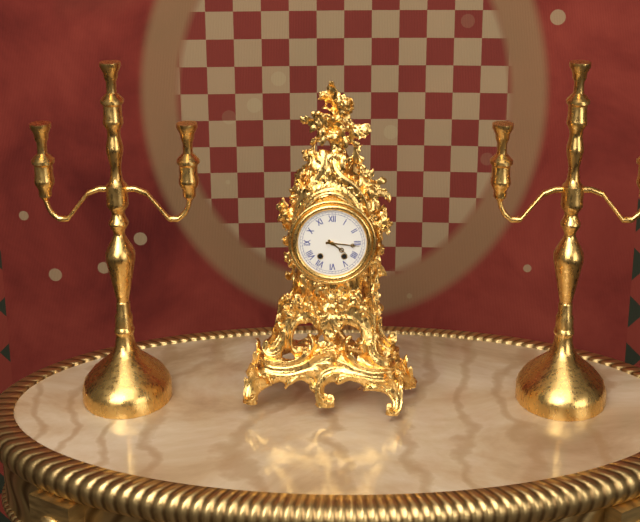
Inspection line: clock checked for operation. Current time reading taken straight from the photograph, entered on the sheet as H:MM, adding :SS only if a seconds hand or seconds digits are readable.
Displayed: 4:16
